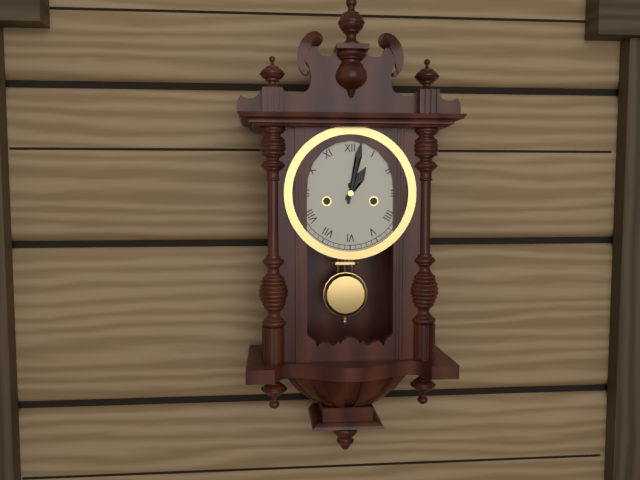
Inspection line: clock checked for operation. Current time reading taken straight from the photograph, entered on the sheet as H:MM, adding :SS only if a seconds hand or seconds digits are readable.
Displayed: 1:02
